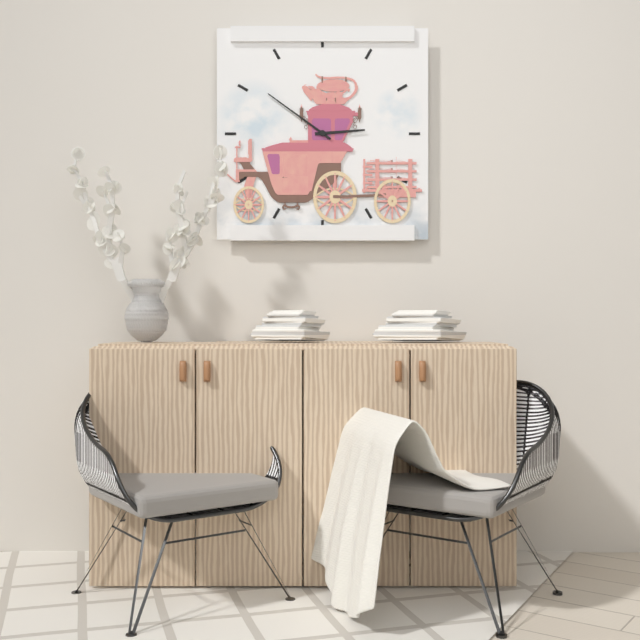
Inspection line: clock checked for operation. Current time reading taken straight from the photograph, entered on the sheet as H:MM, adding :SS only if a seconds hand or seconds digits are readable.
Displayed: 2:51
